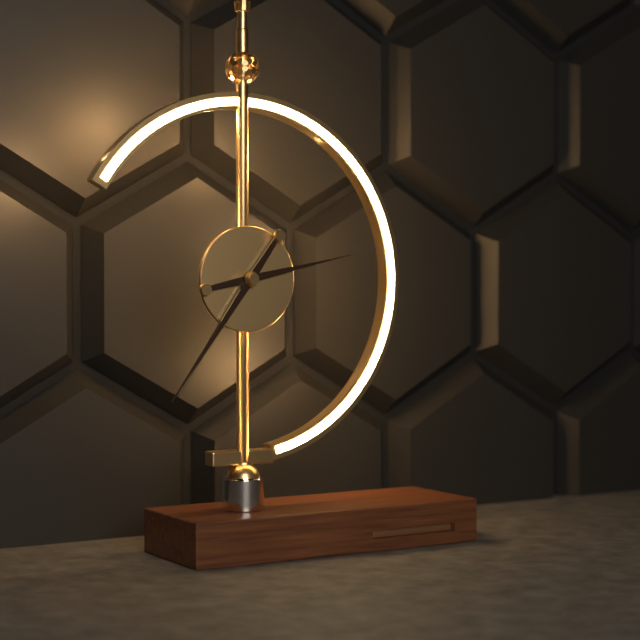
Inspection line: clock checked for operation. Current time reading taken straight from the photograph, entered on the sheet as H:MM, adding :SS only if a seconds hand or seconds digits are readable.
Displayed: 2:36
